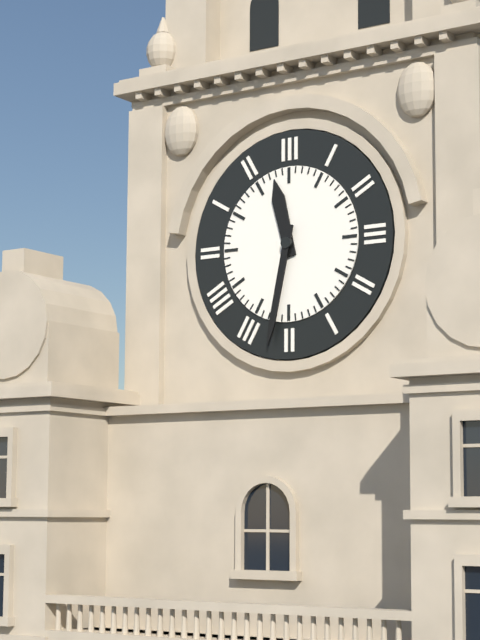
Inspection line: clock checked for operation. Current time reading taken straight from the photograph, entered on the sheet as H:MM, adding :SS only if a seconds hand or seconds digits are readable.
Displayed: 11:32
